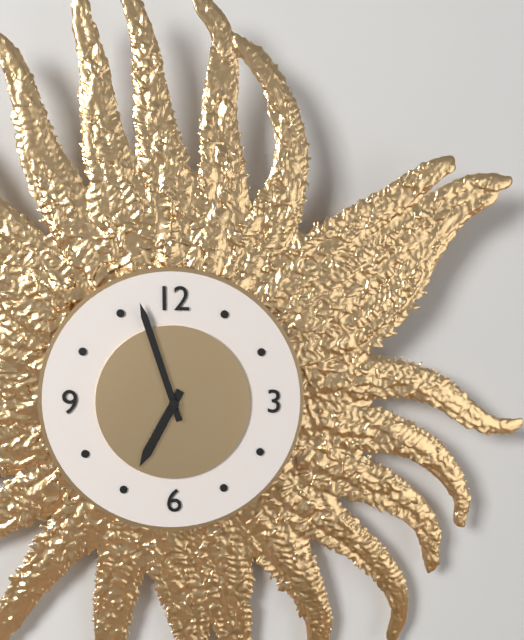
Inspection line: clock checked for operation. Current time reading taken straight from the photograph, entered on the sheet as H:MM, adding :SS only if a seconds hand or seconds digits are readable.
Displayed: 6:57
